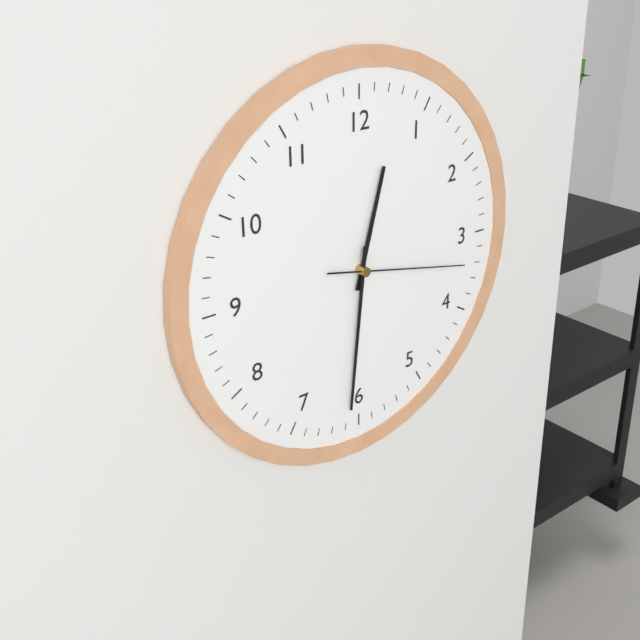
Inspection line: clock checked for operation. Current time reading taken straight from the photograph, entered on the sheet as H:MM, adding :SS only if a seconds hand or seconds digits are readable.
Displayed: 12:31:17
